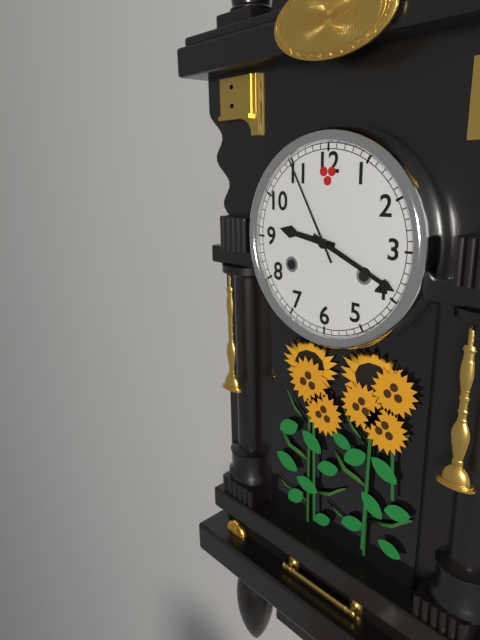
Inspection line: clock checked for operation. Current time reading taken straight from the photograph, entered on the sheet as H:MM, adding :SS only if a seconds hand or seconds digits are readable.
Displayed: 9:19:55
